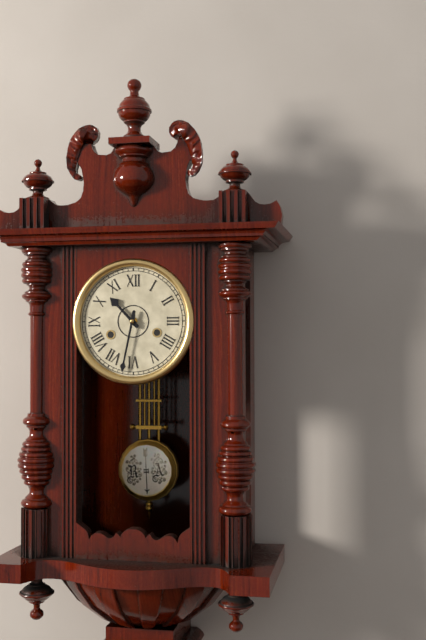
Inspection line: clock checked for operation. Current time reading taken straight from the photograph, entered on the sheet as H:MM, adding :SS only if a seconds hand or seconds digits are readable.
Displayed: 10:32
